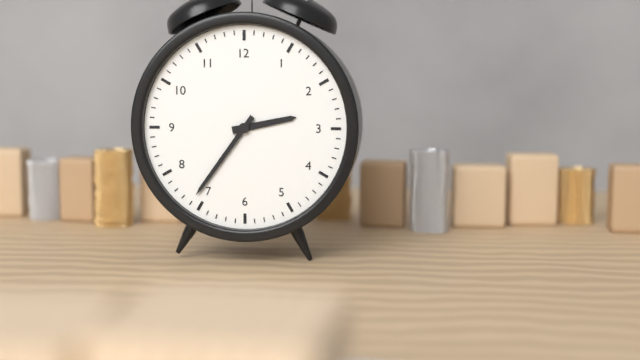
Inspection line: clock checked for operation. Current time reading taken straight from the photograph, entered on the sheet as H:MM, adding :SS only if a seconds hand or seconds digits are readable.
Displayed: 2:36
